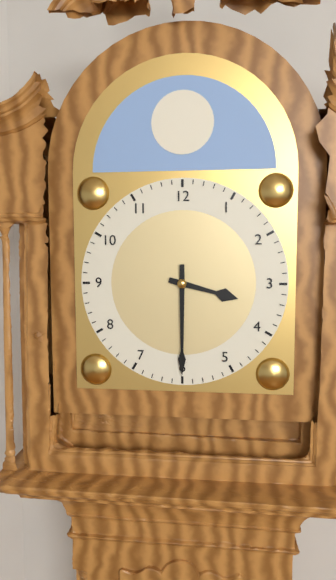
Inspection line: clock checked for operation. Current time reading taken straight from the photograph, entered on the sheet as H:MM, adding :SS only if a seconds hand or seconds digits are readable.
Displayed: 3:30
